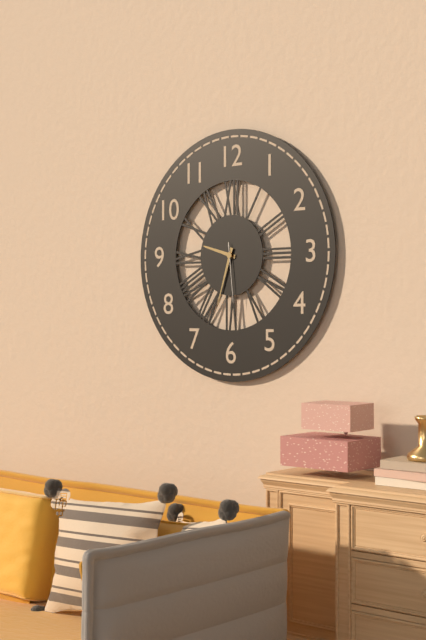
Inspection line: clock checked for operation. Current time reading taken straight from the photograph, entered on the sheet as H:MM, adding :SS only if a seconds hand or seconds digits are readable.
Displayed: 9:33:29
